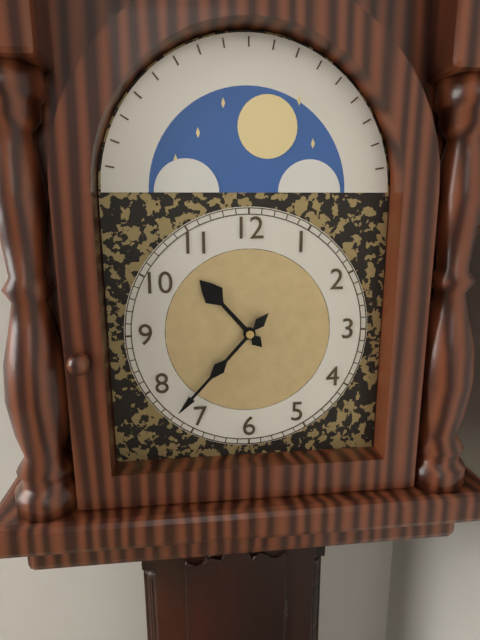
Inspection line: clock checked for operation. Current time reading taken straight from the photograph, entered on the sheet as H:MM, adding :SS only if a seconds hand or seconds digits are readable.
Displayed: 10:37
